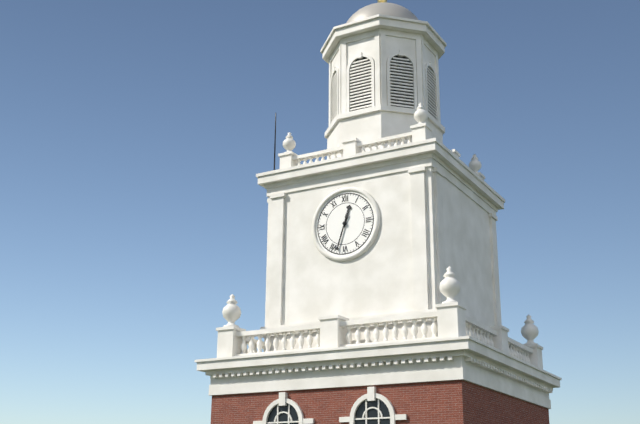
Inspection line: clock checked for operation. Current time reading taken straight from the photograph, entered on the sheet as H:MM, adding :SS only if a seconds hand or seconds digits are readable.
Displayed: 12:33
